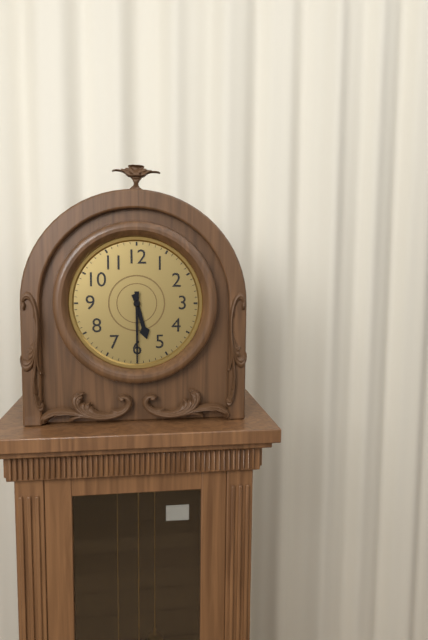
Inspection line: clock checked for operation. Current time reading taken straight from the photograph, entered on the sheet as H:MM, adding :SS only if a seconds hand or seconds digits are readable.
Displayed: 5:30
